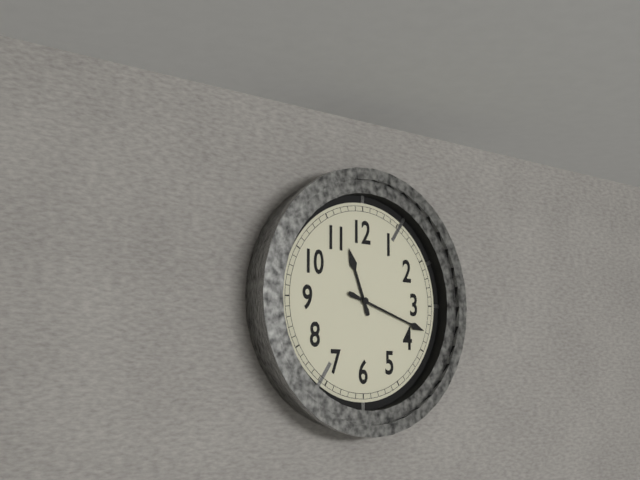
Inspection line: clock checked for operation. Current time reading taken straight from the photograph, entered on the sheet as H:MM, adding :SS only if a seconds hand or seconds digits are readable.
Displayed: 11:18
